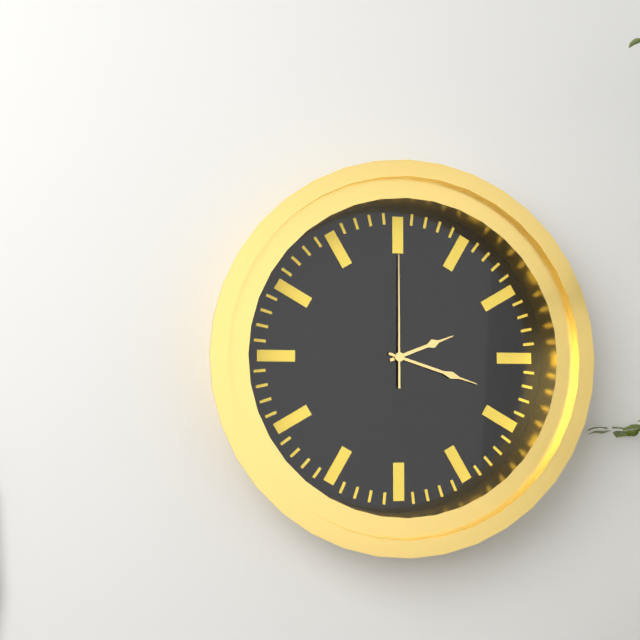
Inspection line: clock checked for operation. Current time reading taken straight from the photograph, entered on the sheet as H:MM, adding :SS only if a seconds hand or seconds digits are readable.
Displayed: 2:18:00
